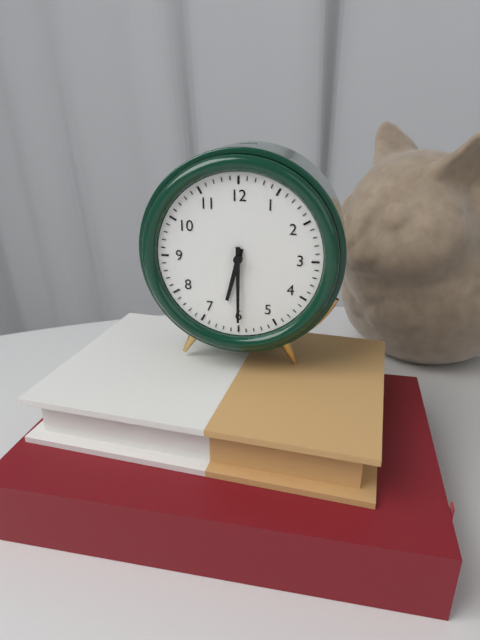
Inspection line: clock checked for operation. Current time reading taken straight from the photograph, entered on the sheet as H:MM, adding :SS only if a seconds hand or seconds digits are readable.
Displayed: 6:30
